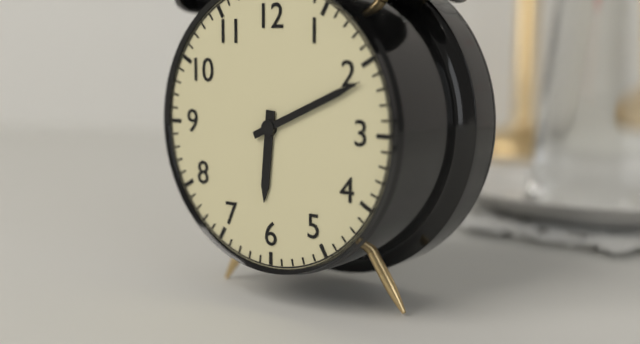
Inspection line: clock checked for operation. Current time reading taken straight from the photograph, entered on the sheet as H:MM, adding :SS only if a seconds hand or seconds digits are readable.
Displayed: 6:11
